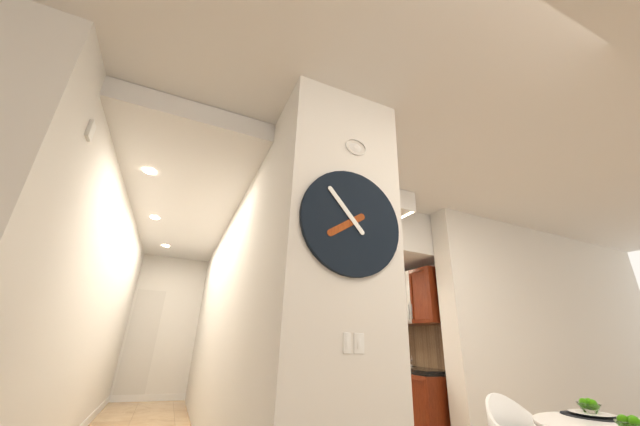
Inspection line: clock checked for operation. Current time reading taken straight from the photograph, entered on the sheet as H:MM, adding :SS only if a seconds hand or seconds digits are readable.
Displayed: 7:53
